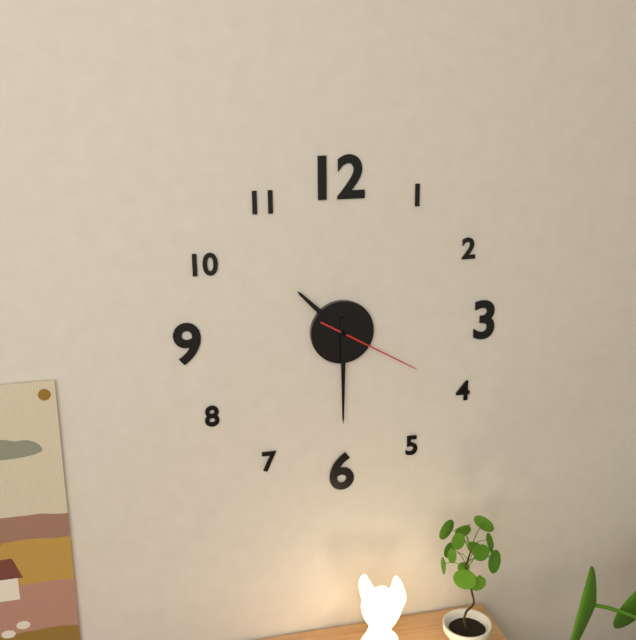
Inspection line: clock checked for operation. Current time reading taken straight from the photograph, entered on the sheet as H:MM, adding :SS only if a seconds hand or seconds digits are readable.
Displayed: 10:30:20
